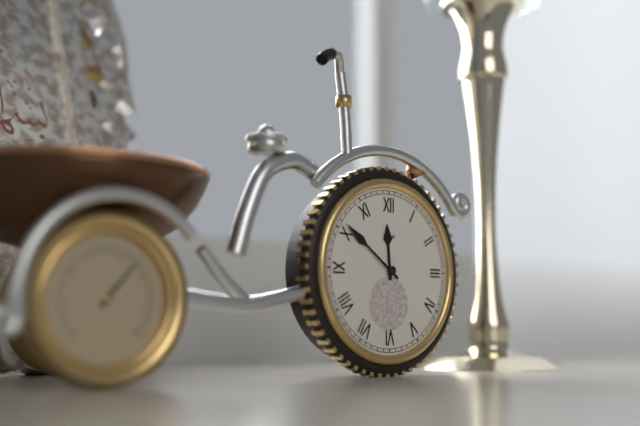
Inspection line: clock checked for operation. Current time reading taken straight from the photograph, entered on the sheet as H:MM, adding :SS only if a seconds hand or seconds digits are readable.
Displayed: 11:51
